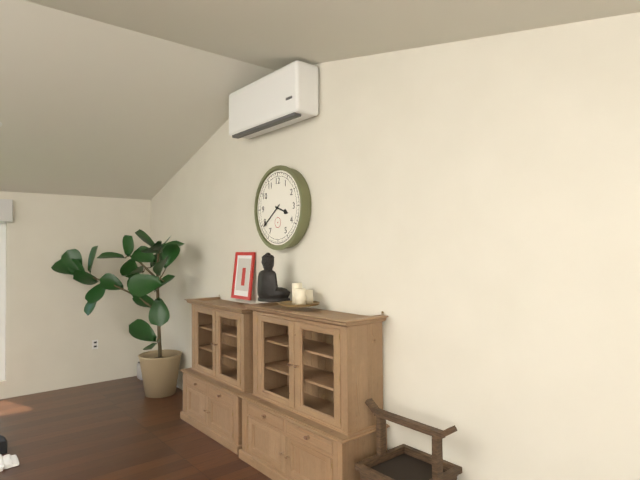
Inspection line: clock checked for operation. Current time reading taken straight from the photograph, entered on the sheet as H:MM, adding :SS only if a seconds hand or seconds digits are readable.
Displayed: 3:39
